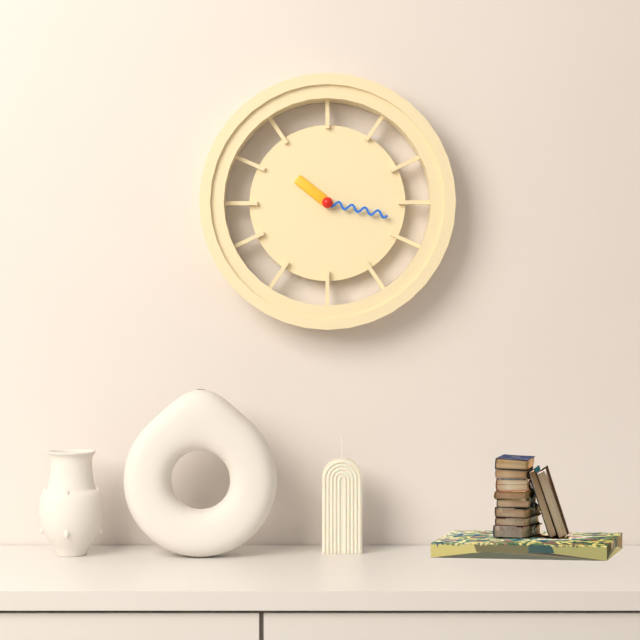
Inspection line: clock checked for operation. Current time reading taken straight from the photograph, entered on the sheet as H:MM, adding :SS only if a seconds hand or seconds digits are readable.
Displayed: 10:17
